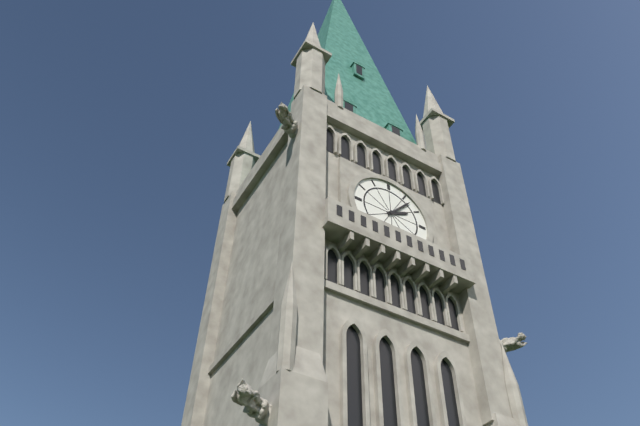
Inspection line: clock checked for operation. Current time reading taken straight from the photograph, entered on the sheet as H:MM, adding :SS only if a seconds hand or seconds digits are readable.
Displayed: 2:07
